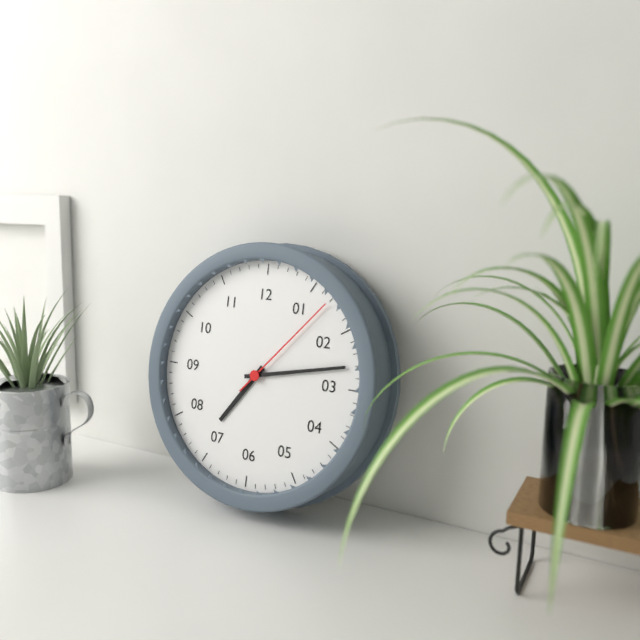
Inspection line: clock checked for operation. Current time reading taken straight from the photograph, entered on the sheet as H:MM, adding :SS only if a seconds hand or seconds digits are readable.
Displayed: 7:13:07
